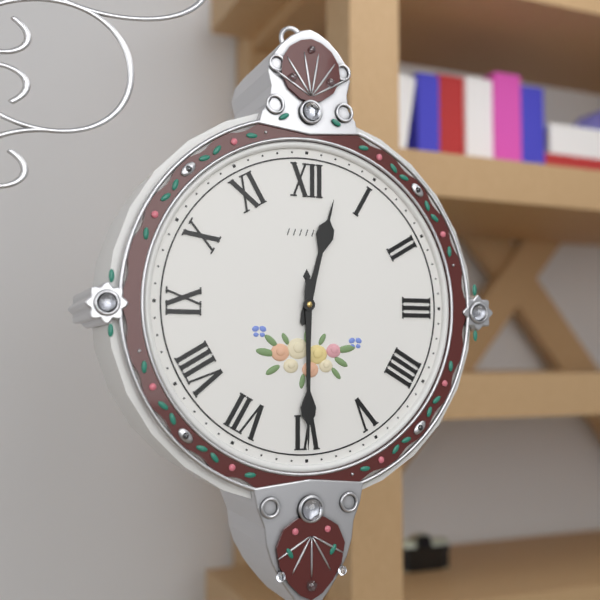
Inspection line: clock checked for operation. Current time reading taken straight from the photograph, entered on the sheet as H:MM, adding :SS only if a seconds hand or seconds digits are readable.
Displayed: 12:30
